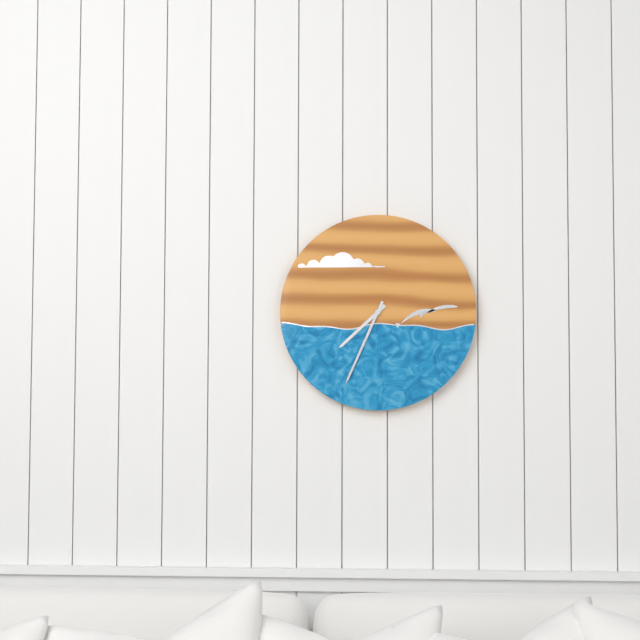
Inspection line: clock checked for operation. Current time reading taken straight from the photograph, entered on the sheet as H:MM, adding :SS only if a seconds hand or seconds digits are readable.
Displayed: 7:34
